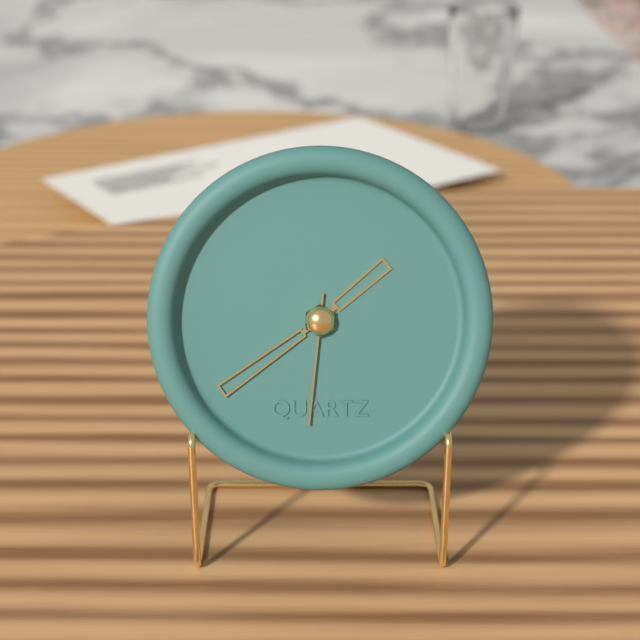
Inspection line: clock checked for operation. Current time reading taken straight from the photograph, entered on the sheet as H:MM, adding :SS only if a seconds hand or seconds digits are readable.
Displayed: 1:39:31
